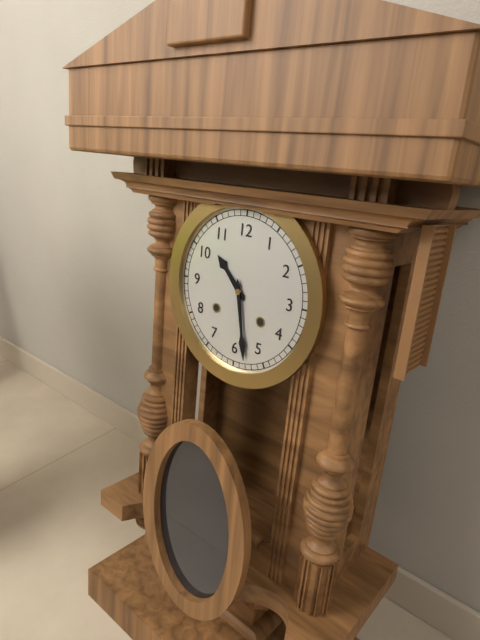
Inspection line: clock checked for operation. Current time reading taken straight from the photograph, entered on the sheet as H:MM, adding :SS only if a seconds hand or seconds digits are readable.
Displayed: 10:28
